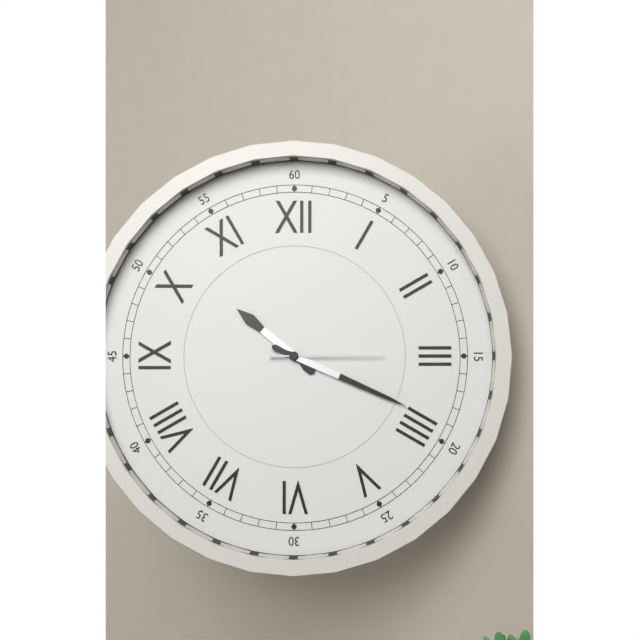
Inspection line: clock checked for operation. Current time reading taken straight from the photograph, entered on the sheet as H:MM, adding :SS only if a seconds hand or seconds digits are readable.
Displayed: 10:19:15
